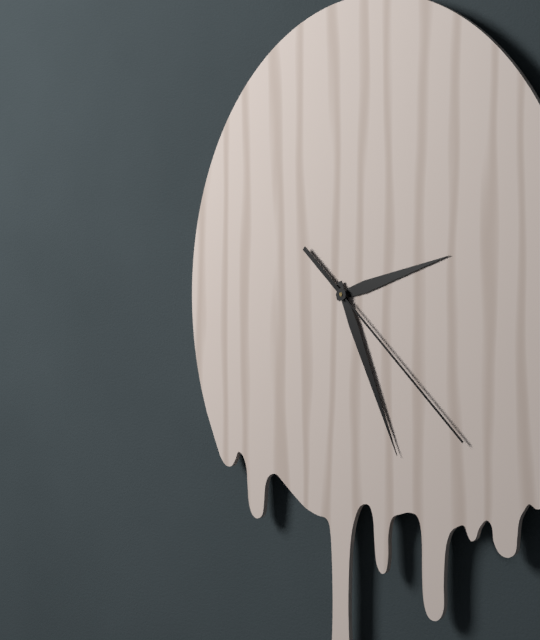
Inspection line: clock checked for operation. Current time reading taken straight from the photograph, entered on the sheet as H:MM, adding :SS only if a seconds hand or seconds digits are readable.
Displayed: 2:26:22
